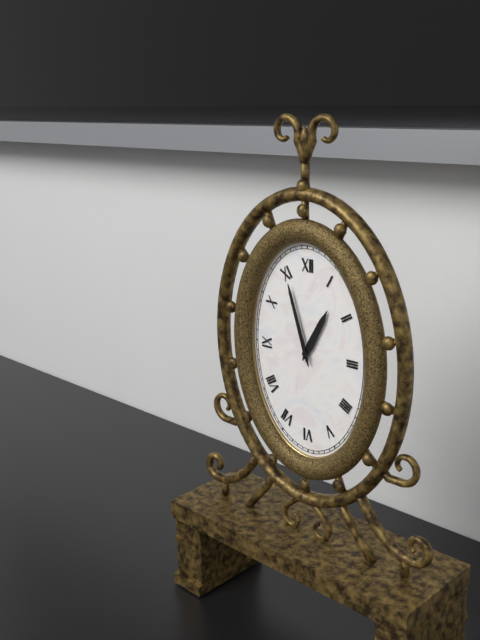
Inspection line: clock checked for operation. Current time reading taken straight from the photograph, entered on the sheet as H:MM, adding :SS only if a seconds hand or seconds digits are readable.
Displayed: 12:57
